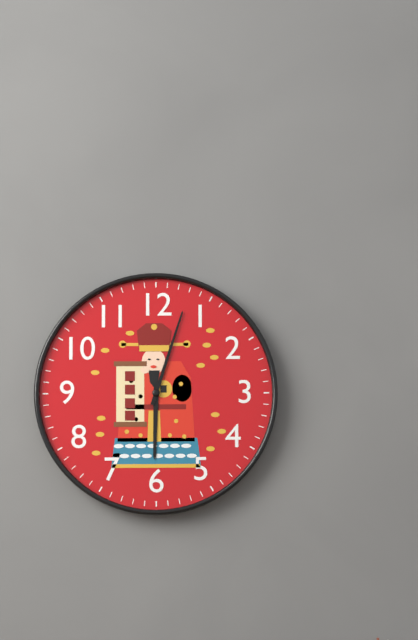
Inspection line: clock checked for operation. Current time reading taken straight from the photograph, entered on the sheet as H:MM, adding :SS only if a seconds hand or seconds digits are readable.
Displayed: 6:03
